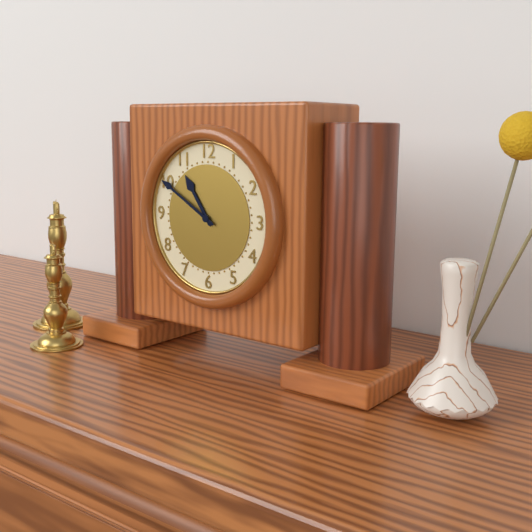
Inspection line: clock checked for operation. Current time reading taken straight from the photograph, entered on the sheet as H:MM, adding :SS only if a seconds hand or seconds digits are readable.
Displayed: 10:50
